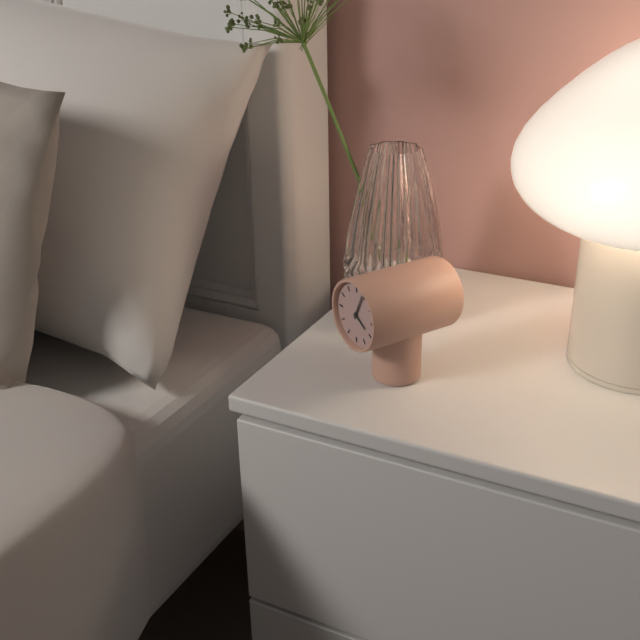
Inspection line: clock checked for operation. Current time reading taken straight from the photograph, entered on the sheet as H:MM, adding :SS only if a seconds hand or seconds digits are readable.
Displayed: 4:04
